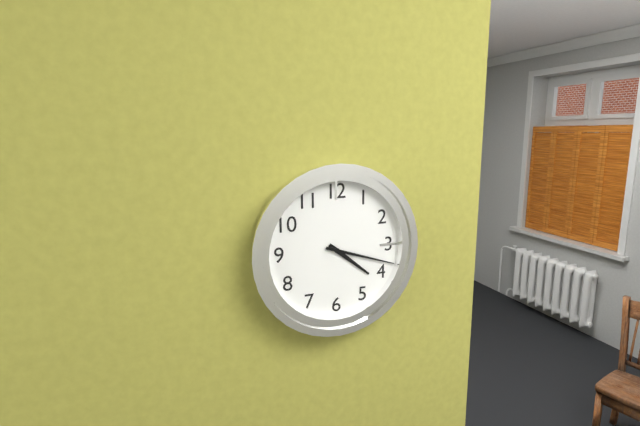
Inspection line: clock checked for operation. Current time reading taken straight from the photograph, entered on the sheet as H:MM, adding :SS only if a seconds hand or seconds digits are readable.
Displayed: 4:18
